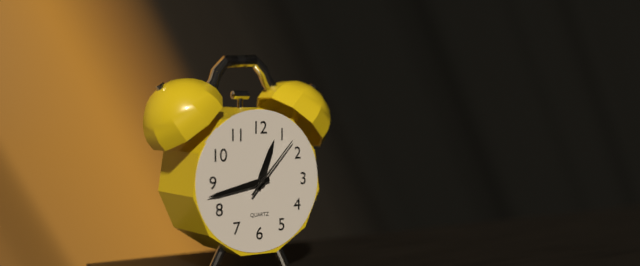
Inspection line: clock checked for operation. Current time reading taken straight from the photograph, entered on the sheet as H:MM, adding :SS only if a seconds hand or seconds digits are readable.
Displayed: 12:43:07
